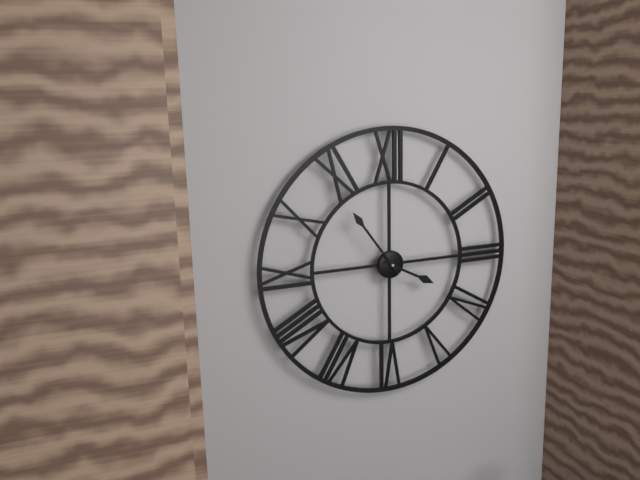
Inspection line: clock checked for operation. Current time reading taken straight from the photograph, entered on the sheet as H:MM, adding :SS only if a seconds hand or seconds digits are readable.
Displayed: 3:54
